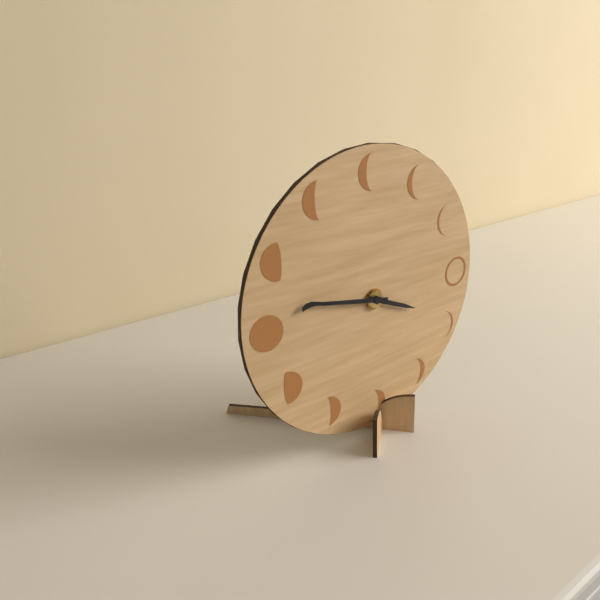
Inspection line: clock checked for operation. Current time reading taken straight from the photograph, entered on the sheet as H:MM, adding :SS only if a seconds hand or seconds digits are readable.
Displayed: 3:47
